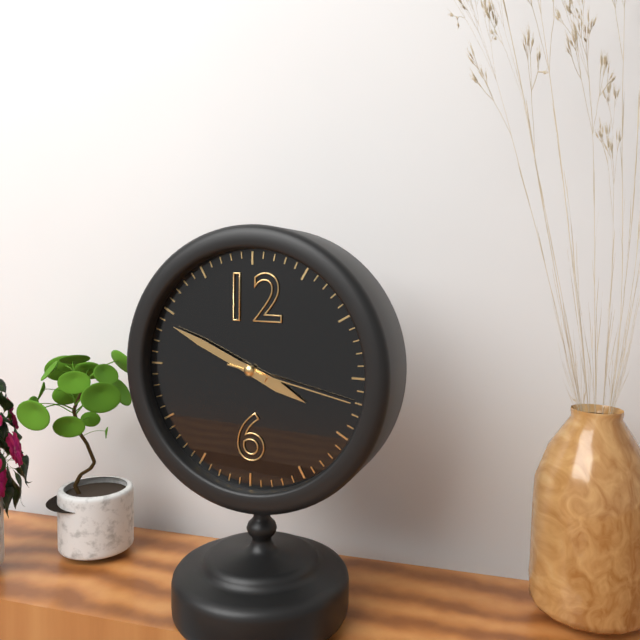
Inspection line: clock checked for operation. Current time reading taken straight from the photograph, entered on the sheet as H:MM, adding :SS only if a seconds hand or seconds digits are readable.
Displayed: 3:49:17
